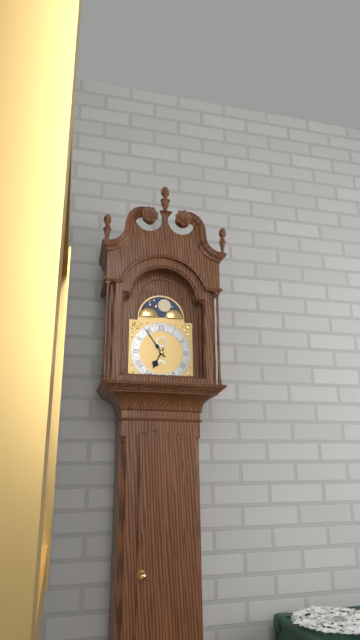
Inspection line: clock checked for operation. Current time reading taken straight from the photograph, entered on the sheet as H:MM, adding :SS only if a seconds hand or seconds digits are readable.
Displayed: 6:54
